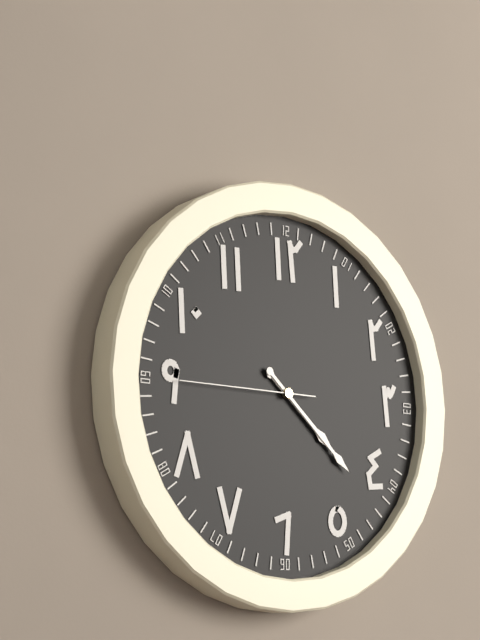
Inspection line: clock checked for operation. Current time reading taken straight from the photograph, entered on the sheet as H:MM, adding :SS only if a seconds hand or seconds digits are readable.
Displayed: 4:22:45
